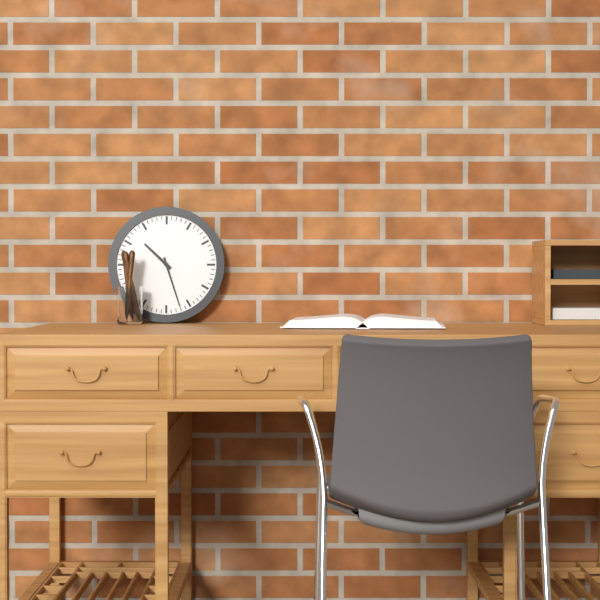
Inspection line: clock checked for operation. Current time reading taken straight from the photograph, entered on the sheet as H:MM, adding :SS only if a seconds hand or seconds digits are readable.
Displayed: 10:27
